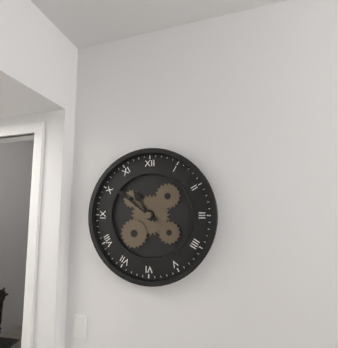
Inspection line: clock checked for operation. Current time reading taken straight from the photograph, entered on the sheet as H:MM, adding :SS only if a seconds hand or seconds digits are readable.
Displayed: 10:51
